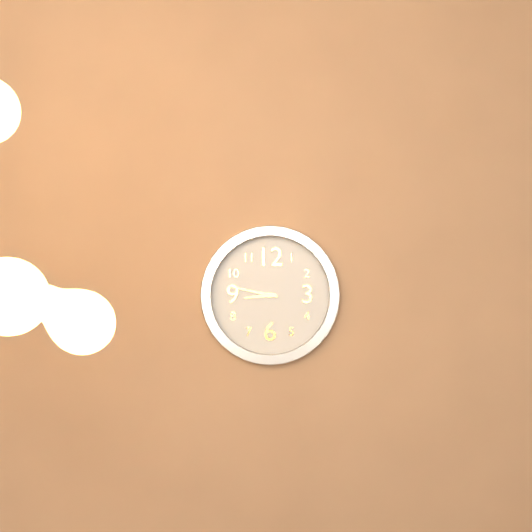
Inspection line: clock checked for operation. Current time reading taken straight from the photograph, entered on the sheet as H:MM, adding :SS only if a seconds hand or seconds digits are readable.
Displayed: 8:47
